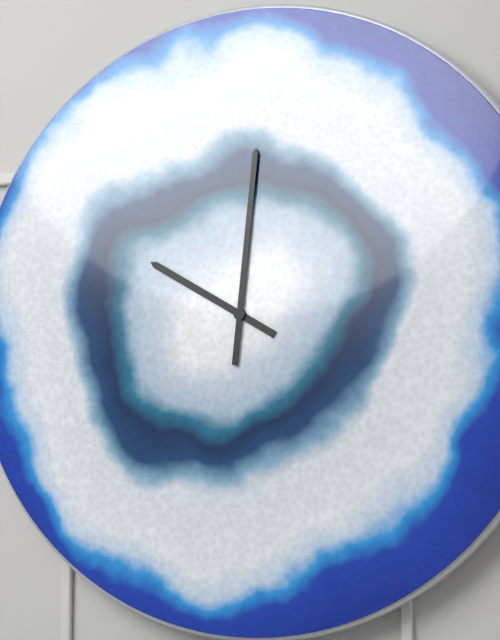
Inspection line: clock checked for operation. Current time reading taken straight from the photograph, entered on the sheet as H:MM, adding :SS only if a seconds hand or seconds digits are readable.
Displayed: 10:01
